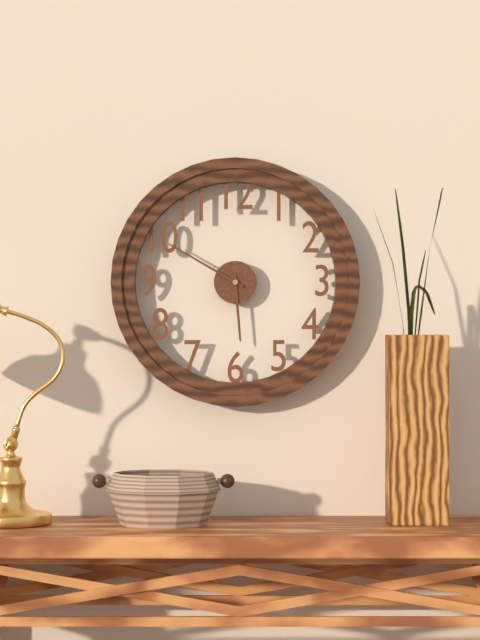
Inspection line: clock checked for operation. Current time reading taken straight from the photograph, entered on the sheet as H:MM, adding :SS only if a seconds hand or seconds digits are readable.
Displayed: 5:50
